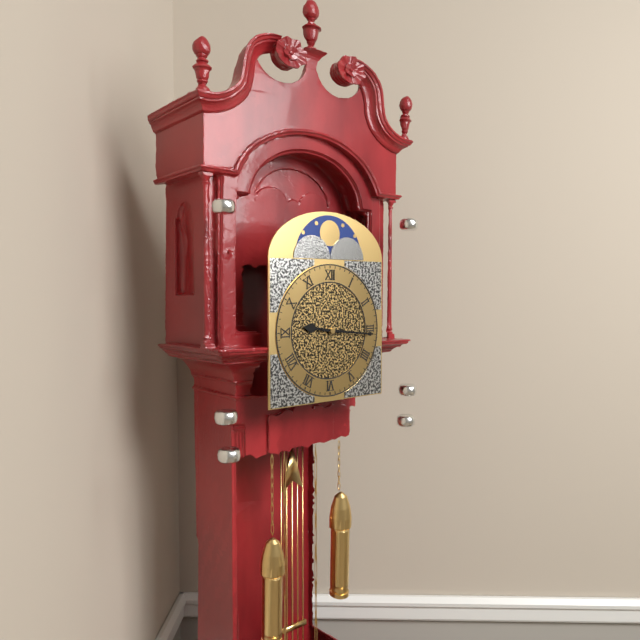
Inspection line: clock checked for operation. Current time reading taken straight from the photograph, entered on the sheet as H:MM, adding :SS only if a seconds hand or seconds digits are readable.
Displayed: 9:16
